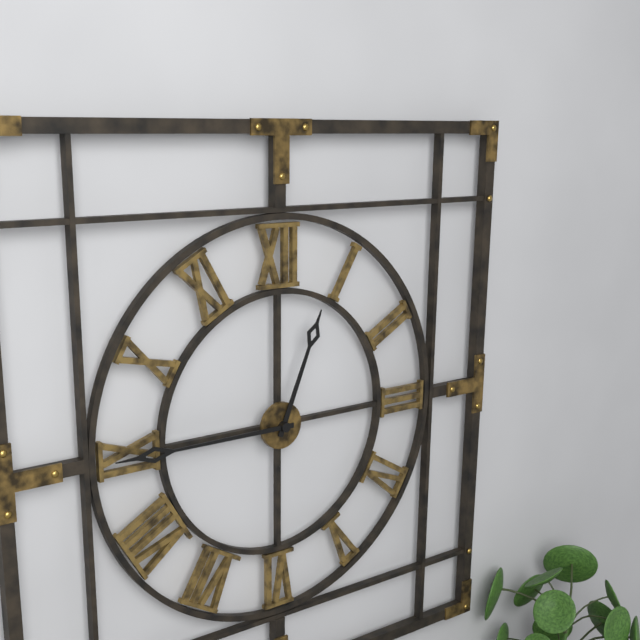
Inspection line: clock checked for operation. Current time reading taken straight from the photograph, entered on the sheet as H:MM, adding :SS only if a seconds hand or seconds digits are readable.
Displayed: 12:45
